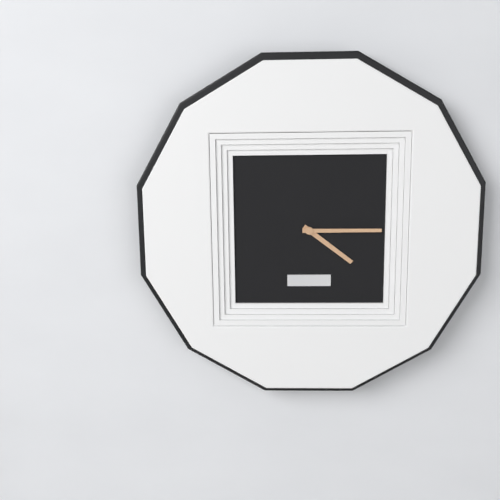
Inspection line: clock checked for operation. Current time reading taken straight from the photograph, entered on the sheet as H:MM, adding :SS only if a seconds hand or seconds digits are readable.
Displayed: 4:15
